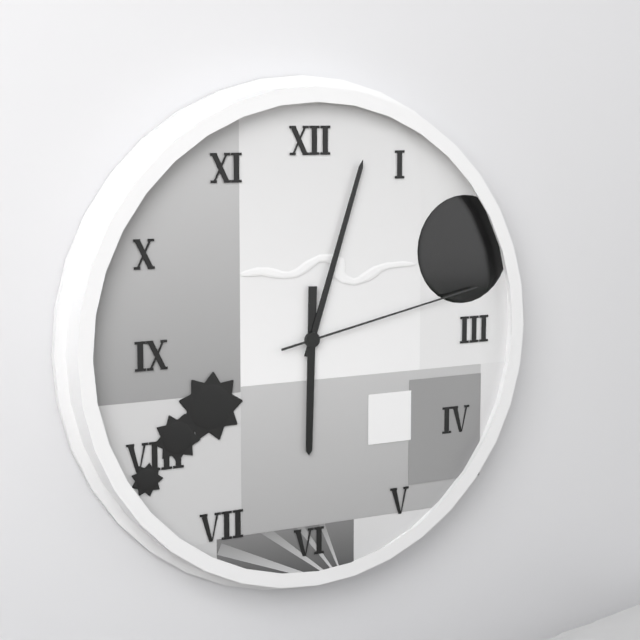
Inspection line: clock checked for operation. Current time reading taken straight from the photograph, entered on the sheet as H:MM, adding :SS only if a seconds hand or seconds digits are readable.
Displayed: 6:03:13
